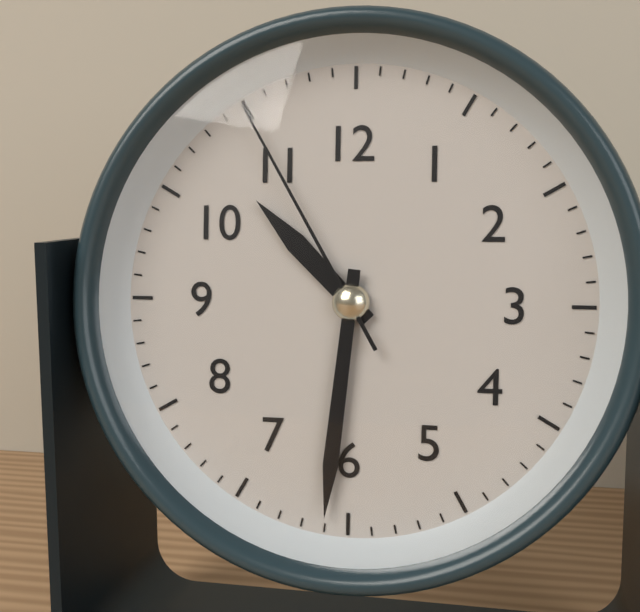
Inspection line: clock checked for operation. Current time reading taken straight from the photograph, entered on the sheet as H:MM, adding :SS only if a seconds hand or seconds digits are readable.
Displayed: 10:31:55
